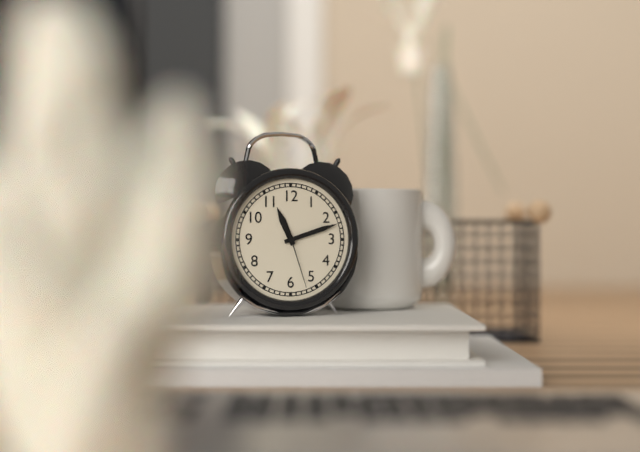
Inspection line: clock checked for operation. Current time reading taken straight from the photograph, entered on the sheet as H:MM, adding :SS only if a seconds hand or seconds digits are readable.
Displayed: 11:12:27
